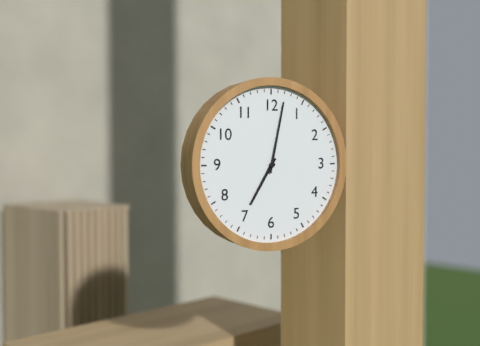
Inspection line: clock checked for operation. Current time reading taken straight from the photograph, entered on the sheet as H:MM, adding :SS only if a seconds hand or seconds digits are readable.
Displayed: 7:02
